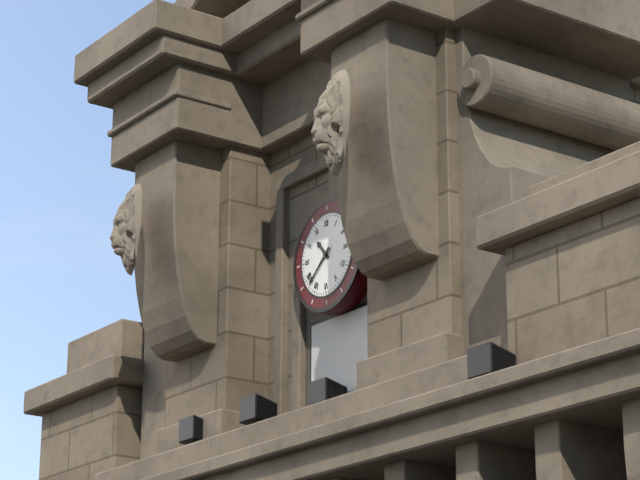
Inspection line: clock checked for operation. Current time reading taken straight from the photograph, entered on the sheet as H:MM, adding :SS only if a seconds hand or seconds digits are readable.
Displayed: 10:38
